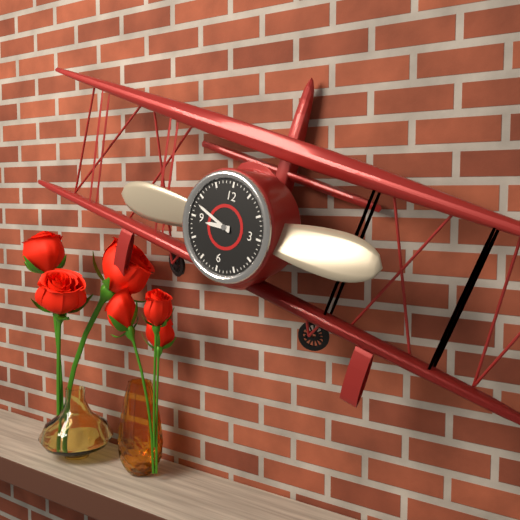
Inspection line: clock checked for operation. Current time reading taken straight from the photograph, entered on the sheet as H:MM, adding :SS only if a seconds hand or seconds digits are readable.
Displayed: 8:48
